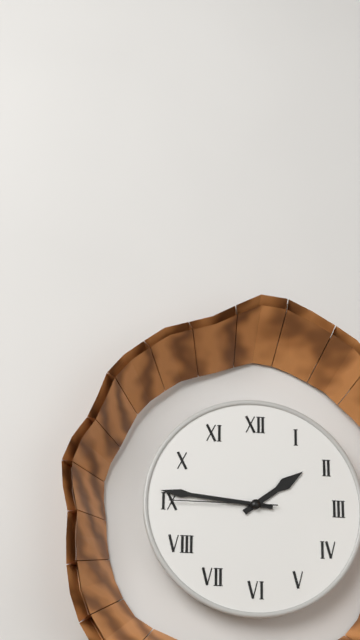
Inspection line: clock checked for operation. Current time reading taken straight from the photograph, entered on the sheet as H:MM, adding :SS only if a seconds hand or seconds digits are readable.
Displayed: 1:46:45
